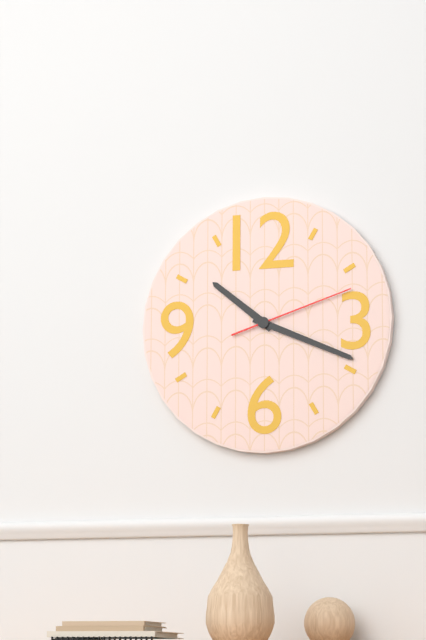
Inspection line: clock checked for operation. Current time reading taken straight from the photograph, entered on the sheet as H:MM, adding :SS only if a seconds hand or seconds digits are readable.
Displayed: 10:19:12
